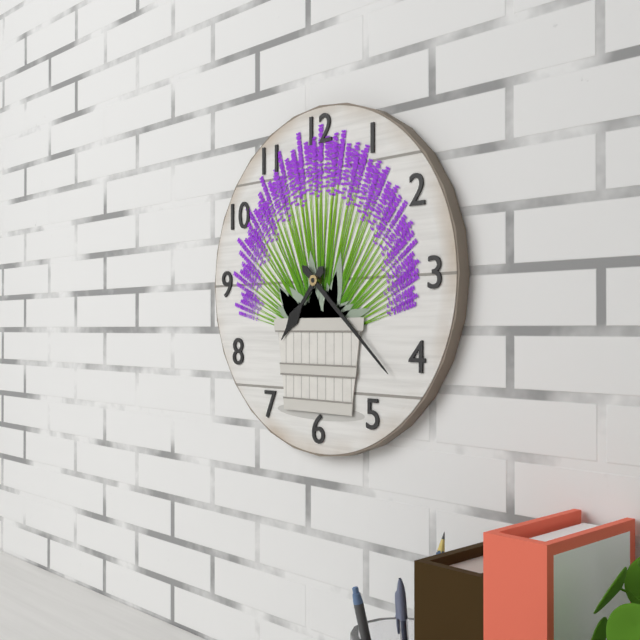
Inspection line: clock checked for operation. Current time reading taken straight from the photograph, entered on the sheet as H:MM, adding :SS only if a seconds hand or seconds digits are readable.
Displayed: 7:22
